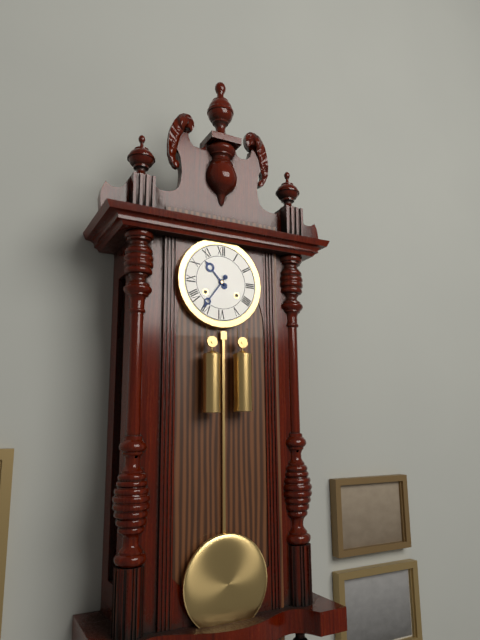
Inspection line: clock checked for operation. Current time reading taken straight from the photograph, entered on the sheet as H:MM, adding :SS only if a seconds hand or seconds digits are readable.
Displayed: 10:36
